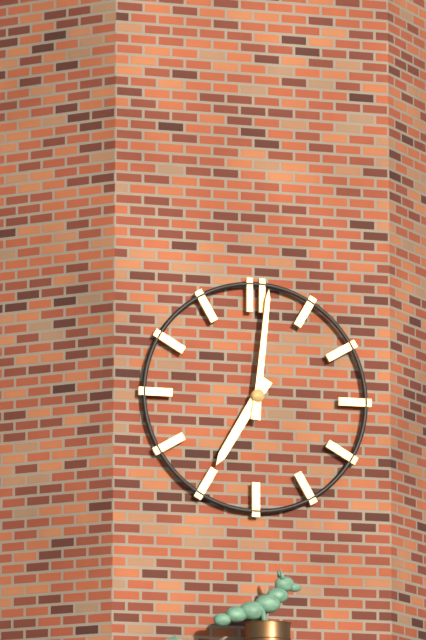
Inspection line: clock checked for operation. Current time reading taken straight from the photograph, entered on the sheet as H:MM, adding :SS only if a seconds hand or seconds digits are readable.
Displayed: 7:01
